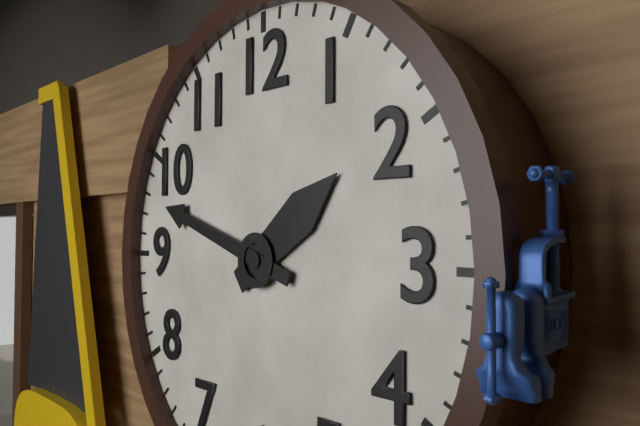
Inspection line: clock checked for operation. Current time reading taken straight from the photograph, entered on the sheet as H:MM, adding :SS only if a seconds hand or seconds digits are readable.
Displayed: 1:48
